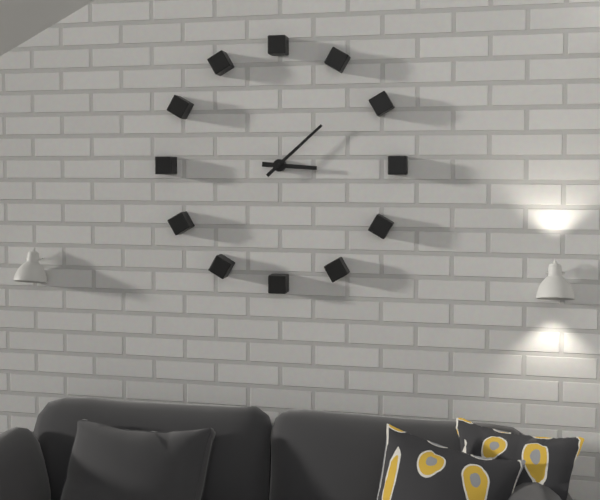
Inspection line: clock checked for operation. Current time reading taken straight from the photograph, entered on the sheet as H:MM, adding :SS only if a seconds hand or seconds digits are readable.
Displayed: 3:08
